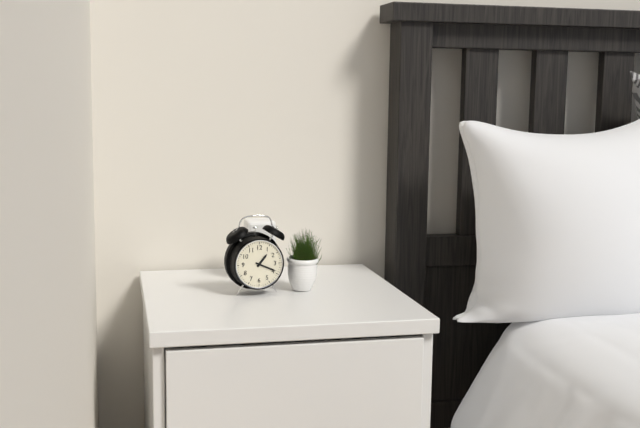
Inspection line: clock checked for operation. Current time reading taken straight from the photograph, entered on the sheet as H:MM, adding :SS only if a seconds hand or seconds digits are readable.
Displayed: 1:19
